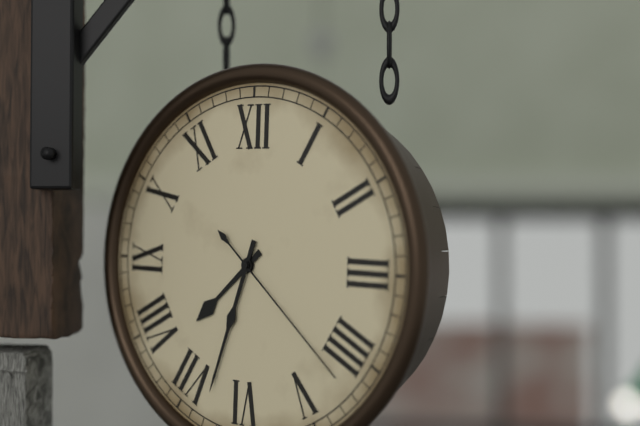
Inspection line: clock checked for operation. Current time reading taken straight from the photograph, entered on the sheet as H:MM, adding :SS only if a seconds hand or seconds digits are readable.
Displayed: 7:33:22
